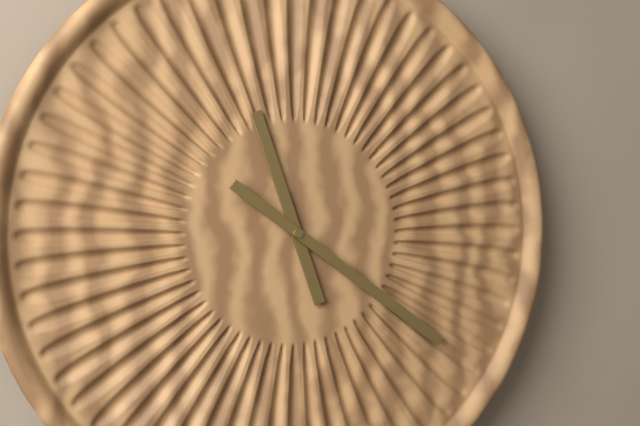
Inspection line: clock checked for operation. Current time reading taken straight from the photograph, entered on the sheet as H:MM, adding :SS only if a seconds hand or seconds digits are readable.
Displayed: 11:21
